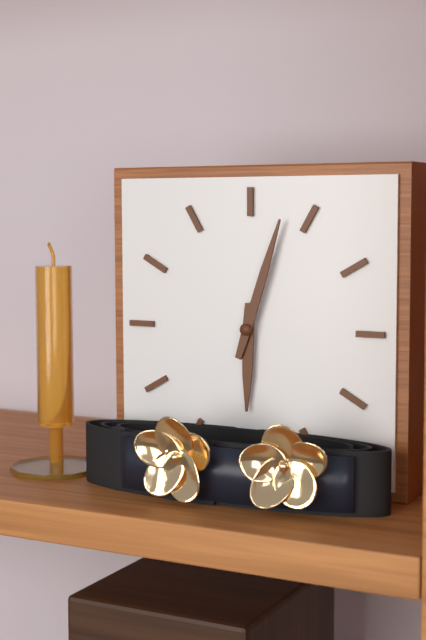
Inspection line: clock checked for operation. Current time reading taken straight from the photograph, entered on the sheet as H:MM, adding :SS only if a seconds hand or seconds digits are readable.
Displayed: 6:03
